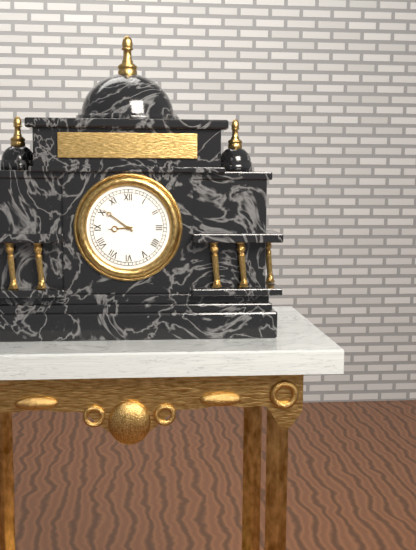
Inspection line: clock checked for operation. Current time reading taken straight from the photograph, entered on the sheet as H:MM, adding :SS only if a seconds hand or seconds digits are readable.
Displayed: 8:51
